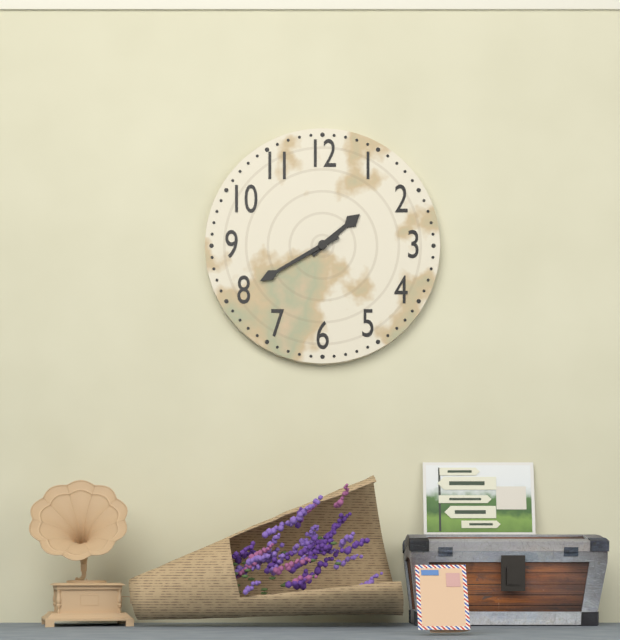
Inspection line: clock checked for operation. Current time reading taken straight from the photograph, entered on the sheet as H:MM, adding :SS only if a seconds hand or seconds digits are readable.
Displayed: 1:40
